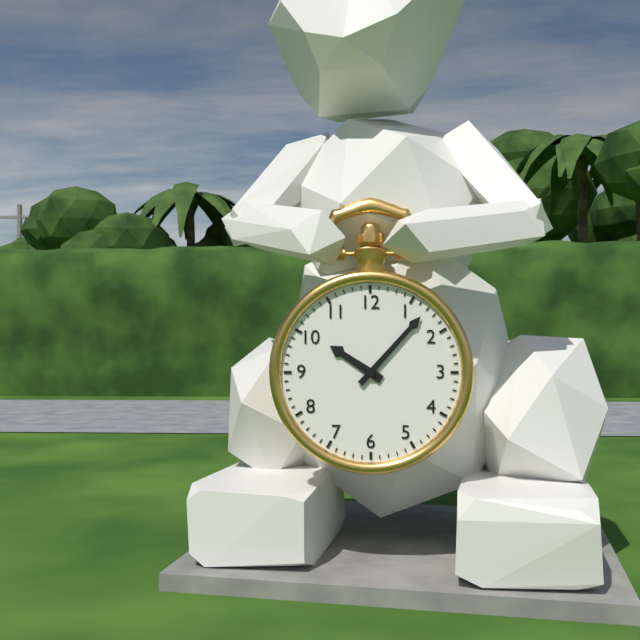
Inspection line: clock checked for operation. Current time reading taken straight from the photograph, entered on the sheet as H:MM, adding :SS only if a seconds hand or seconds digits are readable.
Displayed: 10:07
